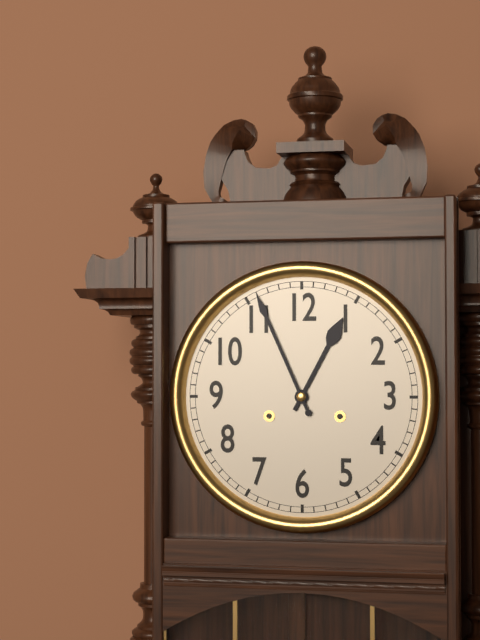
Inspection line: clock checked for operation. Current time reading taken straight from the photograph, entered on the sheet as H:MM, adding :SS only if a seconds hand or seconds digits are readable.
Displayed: 12:56
